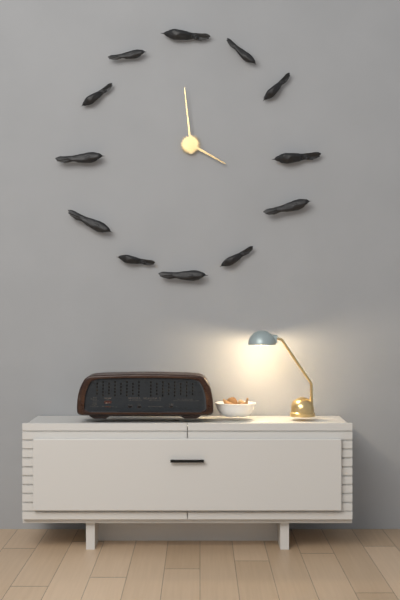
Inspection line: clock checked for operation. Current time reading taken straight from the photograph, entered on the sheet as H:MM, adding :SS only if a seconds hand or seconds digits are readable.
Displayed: 3:59
